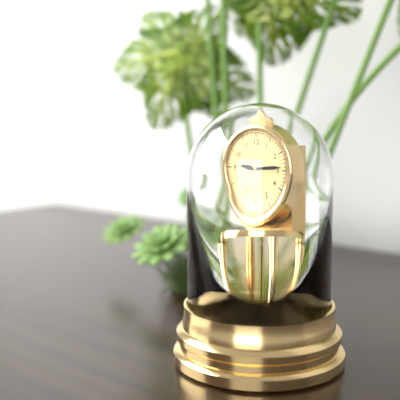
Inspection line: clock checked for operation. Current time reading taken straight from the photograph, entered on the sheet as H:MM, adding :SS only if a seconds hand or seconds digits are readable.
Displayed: 9:14
